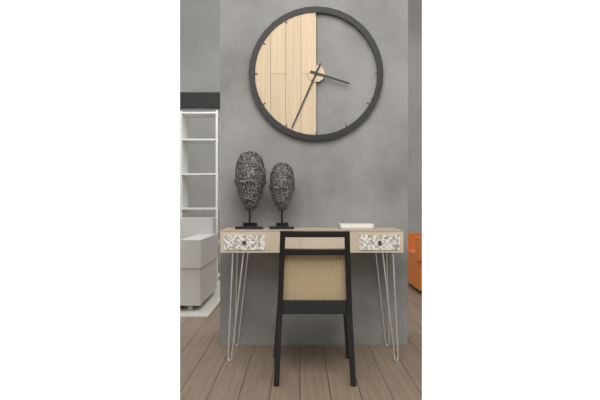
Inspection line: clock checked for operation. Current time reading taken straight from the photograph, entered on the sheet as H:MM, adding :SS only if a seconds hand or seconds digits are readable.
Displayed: 3:34
